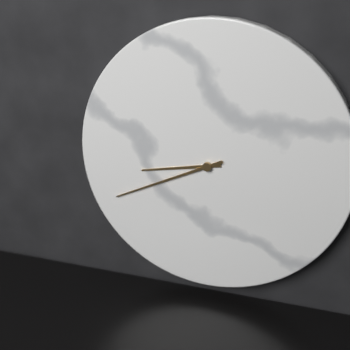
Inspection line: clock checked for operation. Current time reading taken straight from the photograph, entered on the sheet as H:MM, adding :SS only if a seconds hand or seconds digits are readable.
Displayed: 8:41
